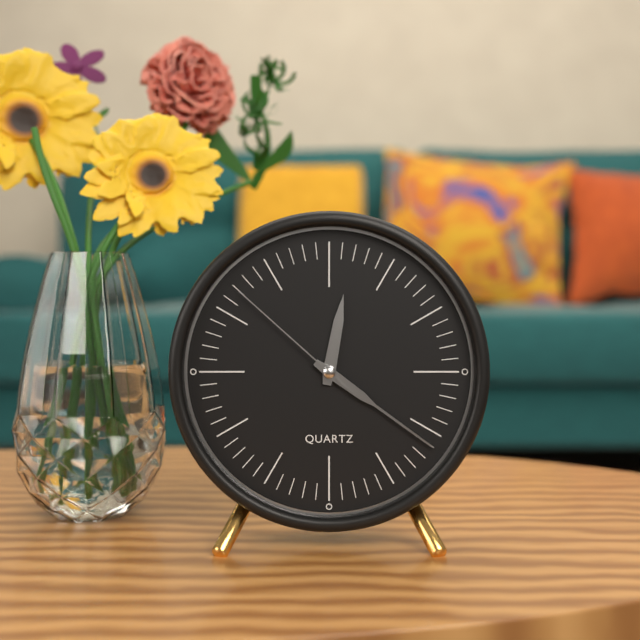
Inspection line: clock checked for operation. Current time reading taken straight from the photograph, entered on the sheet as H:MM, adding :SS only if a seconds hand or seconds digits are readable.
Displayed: 12:21:52
